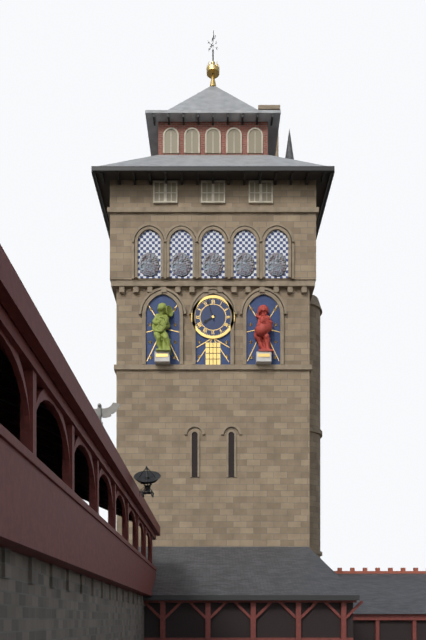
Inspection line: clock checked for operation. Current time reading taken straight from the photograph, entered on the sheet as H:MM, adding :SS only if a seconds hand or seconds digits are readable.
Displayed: 7:57
